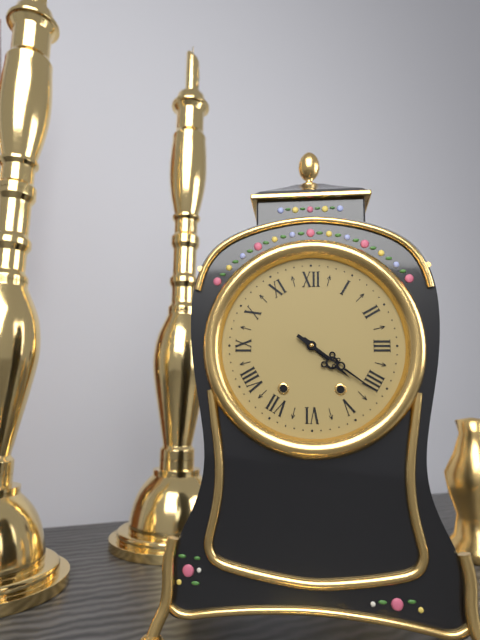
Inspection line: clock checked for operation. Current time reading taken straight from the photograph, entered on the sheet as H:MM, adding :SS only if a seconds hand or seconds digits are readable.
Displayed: 4:21
